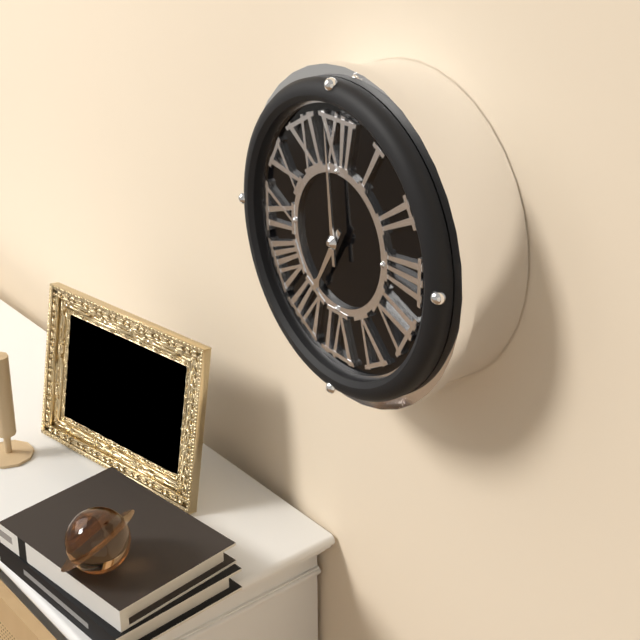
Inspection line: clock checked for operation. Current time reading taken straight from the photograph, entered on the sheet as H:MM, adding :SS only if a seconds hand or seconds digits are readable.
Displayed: 6:59
